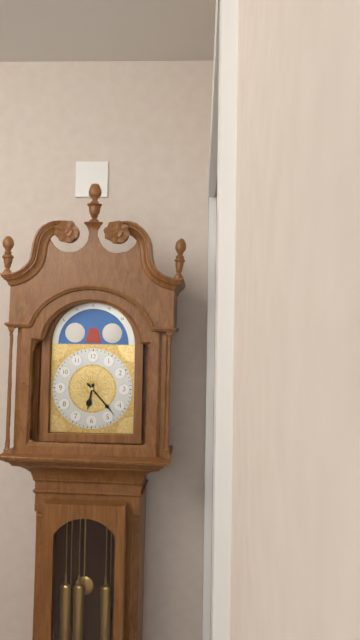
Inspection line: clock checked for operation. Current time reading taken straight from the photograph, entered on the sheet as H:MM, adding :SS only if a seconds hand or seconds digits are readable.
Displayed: 6:23
